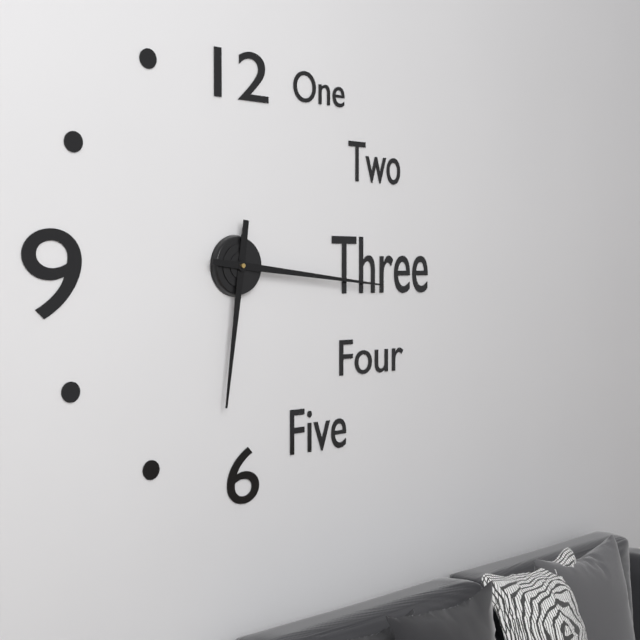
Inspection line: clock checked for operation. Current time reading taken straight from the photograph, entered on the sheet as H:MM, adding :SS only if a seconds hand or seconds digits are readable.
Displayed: 6:16
